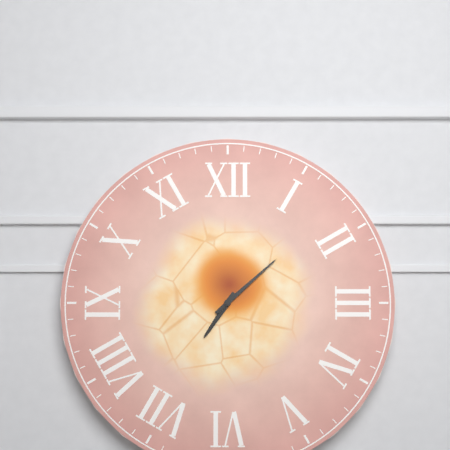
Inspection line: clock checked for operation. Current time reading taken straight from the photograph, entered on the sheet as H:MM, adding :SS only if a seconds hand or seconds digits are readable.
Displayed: 7:08
